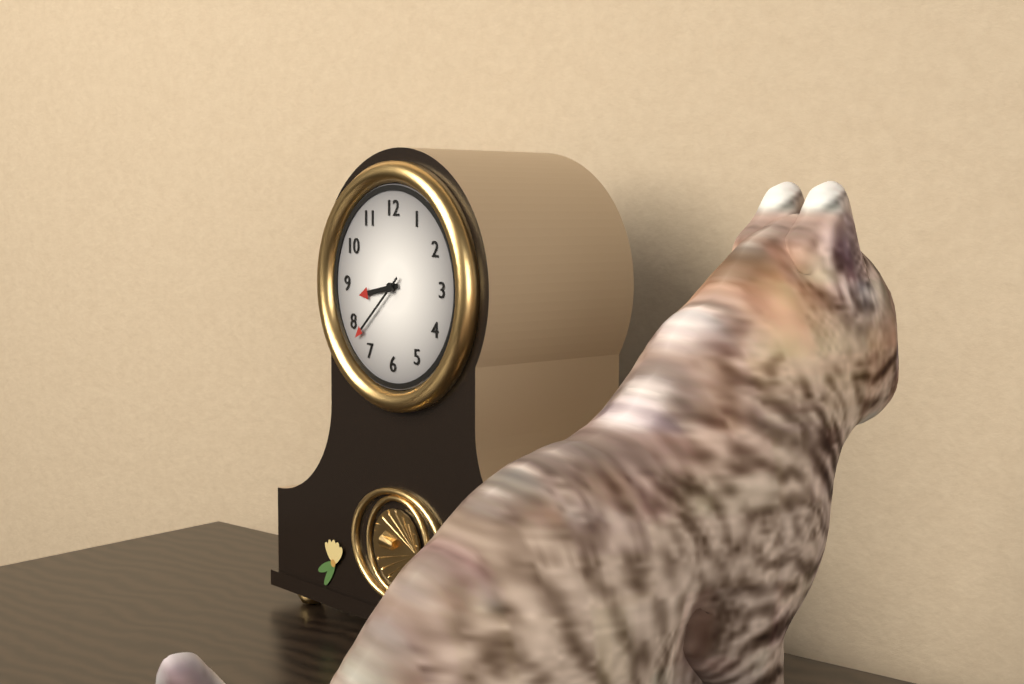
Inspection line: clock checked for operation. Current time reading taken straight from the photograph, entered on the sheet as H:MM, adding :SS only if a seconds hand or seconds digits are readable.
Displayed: 8:38
